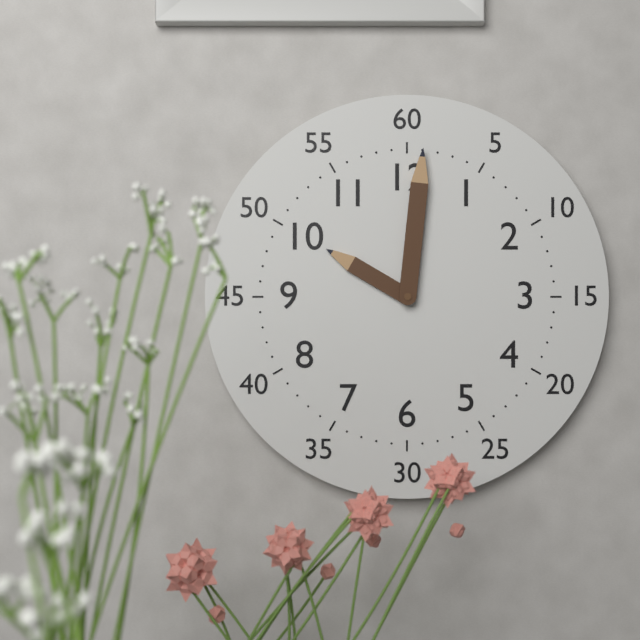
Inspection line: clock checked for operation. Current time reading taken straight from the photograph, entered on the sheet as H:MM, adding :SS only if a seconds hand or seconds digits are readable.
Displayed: 10:01
